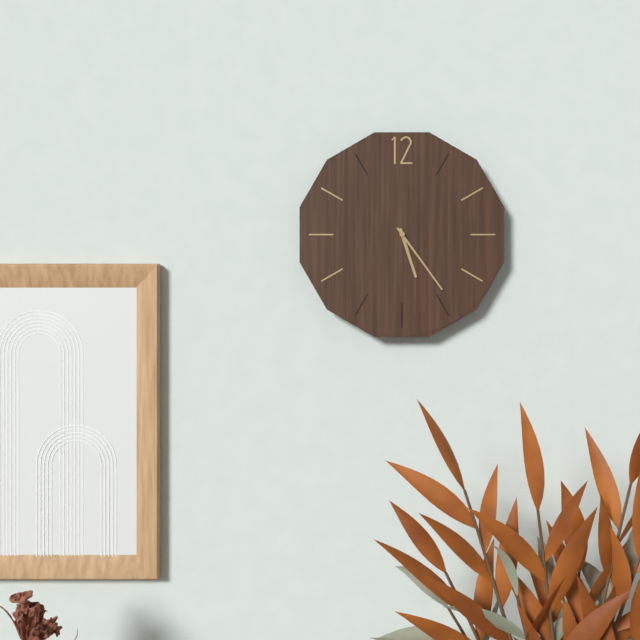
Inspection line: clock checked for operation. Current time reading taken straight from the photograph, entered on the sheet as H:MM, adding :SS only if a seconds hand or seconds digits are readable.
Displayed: 5:24
